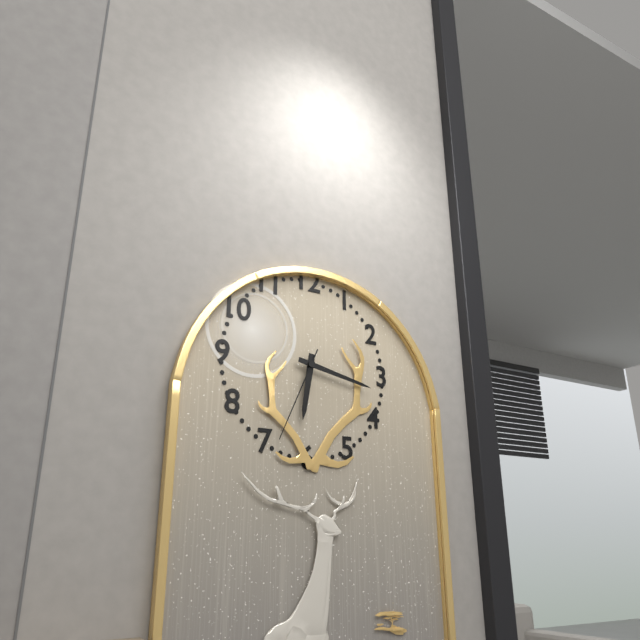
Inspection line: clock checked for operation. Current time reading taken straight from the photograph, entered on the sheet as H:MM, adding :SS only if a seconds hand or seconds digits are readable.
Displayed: 6:17:34
